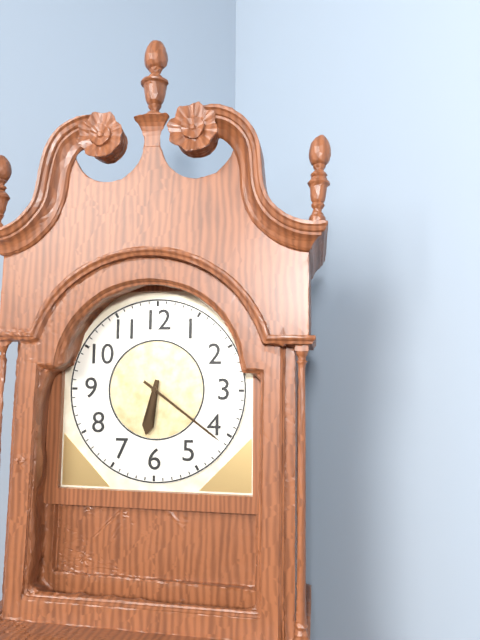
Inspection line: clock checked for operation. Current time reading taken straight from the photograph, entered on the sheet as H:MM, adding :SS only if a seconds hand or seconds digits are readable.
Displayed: 6:21
